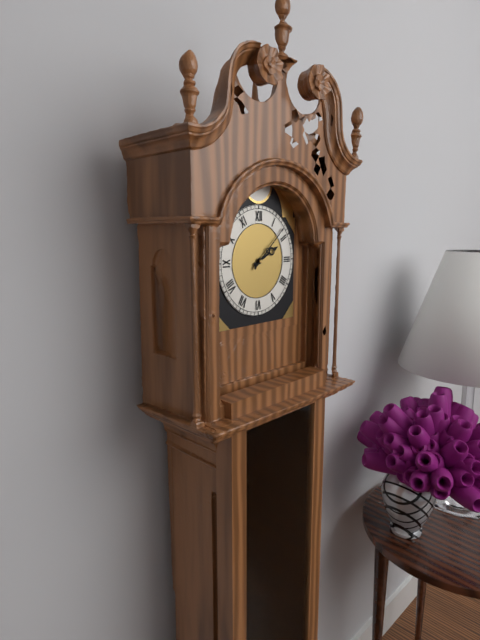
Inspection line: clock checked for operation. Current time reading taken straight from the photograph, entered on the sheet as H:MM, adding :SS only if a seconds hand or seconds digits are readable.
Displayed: 2:08
